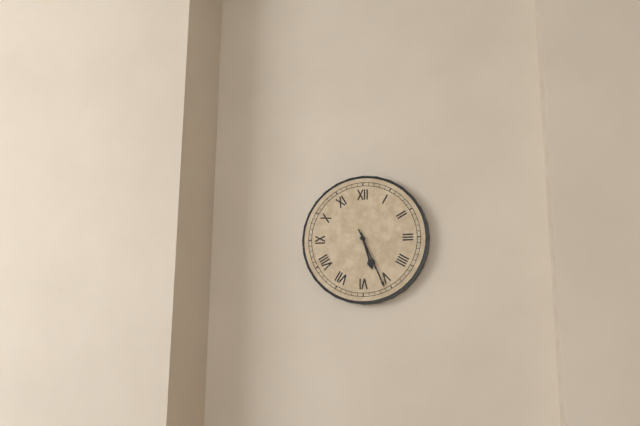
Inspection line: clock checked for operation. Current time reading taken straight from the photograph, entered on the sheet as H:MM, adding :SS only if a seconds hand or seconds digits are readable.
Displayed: 5:26
